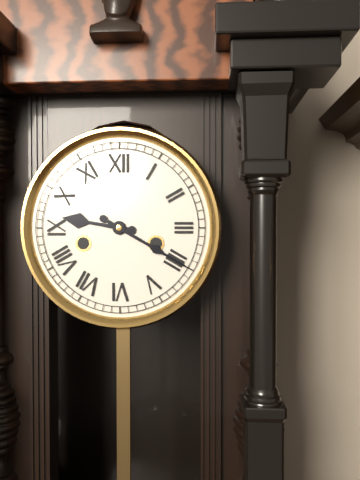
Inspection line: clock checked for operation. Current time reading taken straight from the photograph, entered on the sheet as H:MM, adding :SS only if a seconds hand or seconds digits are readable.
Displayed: 9:20
